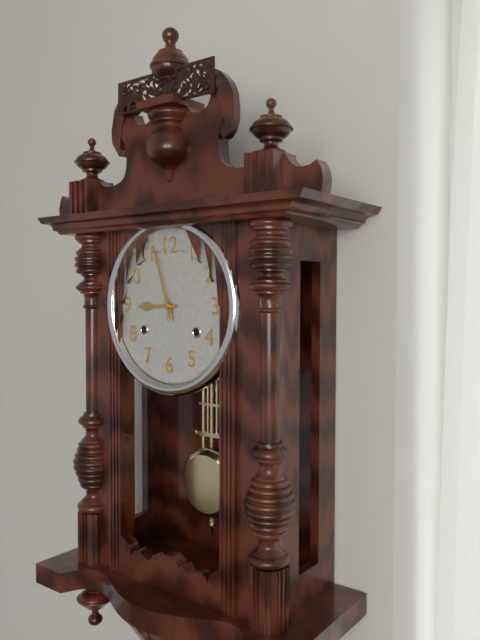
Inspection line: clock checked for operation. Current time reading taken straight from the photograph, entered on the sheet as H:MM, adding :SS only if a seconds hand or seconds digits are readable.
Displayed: 8:57
